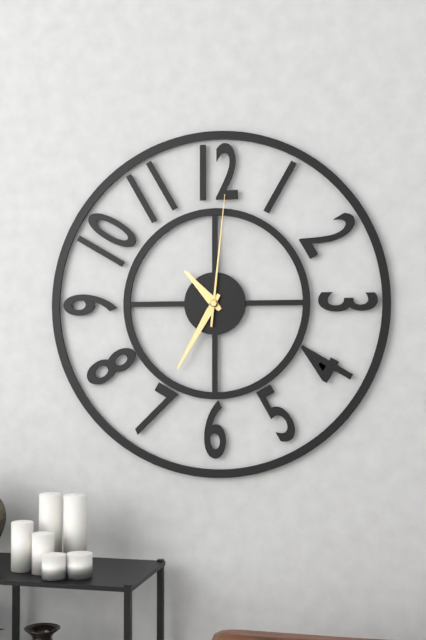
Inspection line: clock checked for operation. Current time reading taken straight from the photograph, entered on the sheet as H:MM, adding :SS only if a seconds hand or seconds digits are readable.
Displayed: 10:35:01
